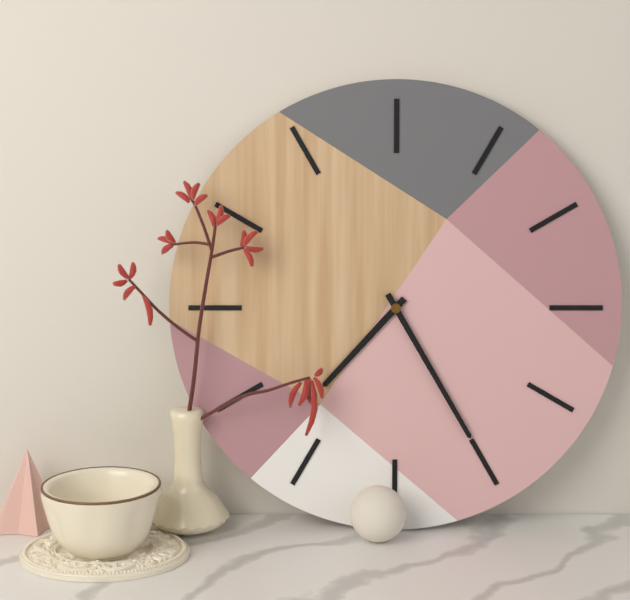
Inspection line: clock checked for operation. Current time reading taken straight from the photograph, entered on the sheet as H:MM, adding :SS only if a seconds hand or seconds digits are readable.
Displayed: 7:25
